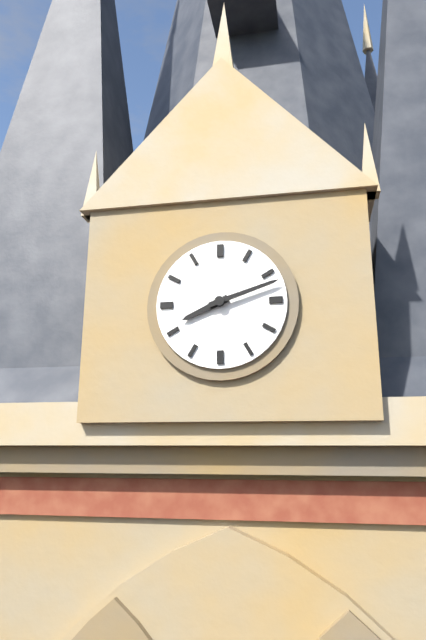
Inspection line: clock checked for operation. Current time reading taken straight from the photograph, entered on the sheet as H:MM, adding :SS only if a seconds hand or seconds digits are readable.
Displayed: 8:12
